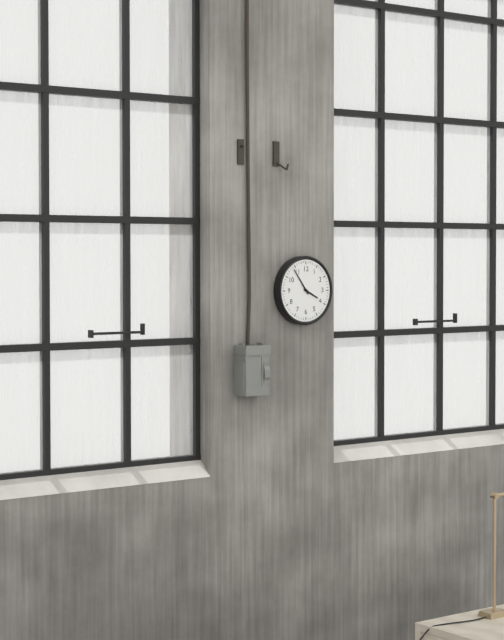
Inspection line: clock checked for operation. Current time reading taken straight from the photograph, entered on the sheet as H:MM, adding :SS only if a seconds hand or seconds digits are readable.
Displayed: 3:54
